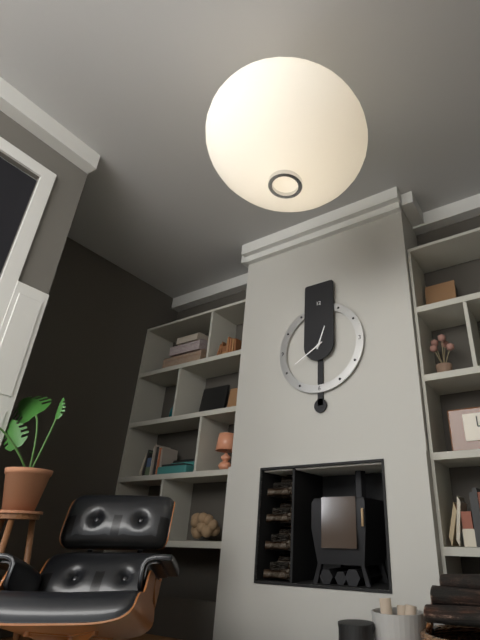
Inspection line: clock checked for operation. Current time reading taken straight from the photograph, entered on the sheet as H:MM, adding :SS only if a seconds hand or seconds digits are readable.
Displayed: 12:40
